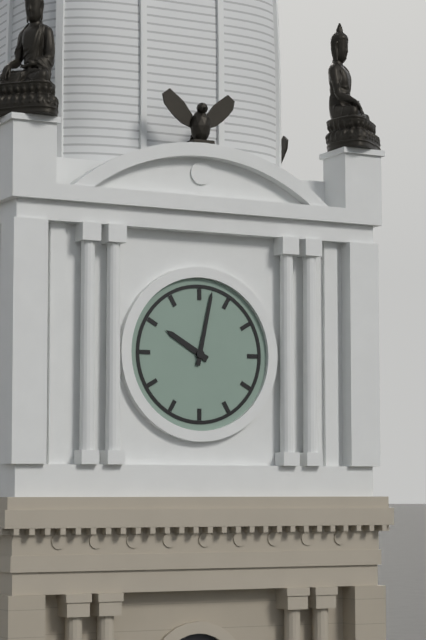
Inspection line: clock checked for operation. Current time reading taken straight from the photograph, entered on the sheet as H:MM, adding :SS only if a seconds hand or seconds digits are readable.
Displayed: 10:02
